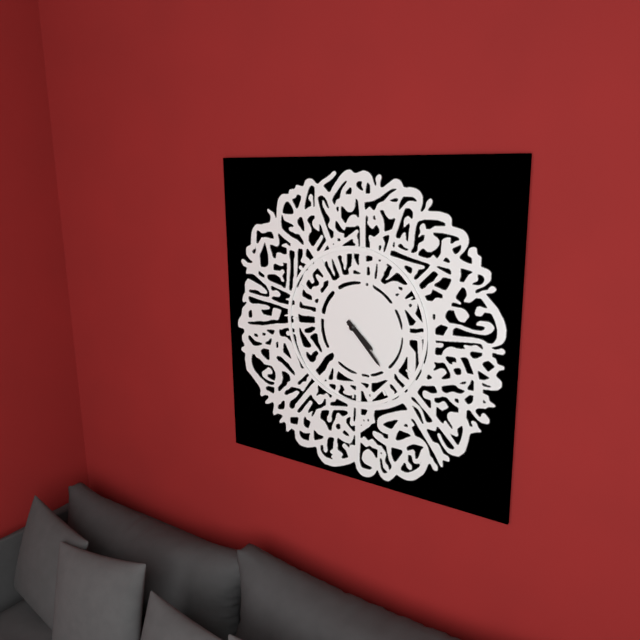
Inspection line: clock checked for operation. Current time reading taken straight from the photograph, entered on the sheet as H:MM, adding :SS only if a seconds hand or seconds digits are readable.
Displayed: 4:23
